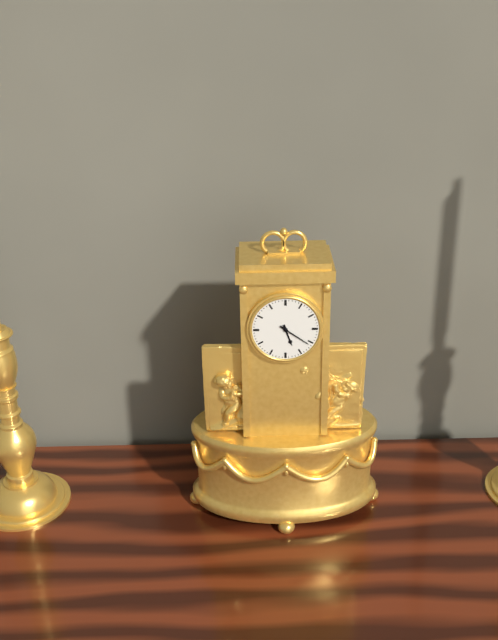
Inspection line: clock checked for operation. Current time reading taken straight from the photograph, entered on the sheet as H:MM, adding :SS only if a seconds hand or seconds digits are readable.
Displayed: 5:21
